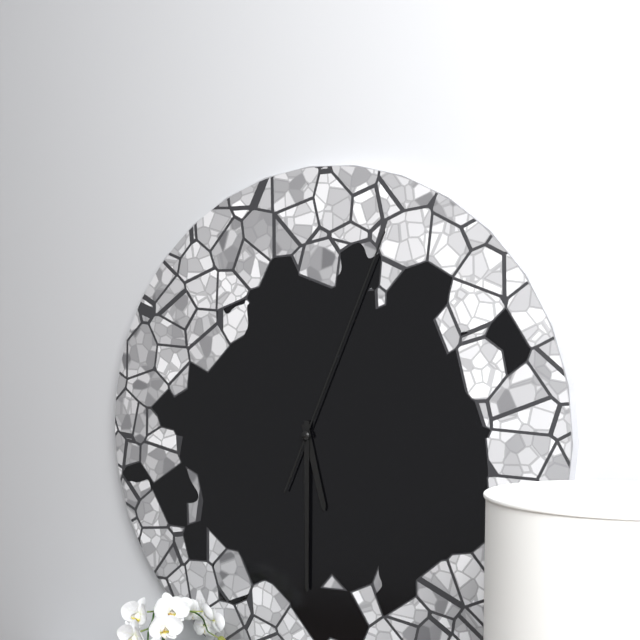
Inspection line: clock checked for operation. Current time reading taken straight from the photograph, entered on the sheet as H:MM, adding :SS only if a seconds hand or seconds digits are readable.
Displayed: 5:30:04
